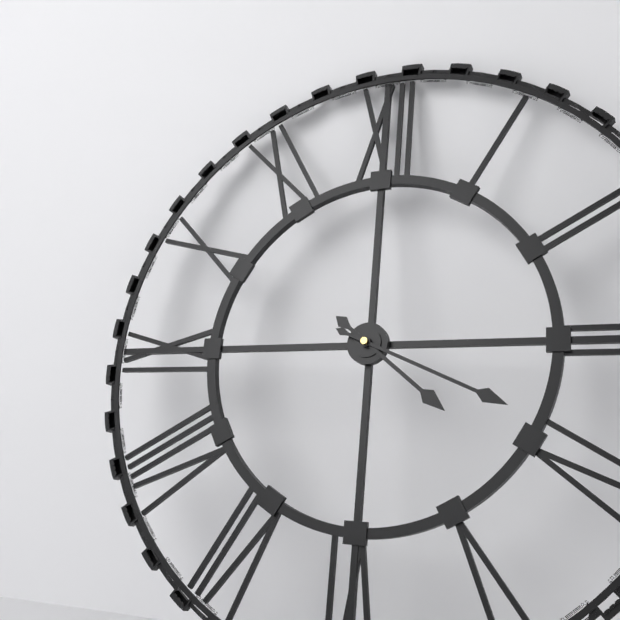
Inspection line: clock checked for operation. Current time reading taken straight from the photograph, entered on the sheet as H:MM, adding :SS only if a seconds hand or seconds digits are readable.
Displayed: 4:19
